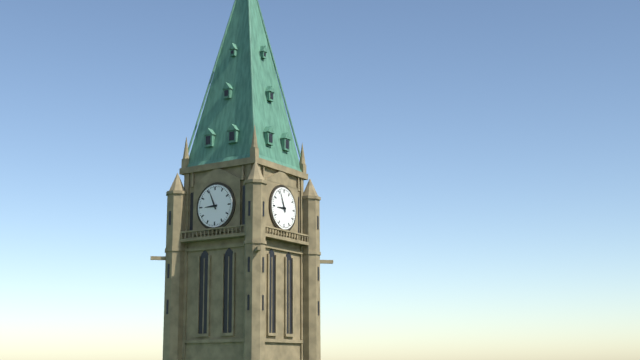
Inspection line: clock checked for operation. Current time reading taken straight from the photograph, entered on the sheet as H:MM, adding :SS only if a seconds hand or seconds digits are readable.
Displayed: 8:56
